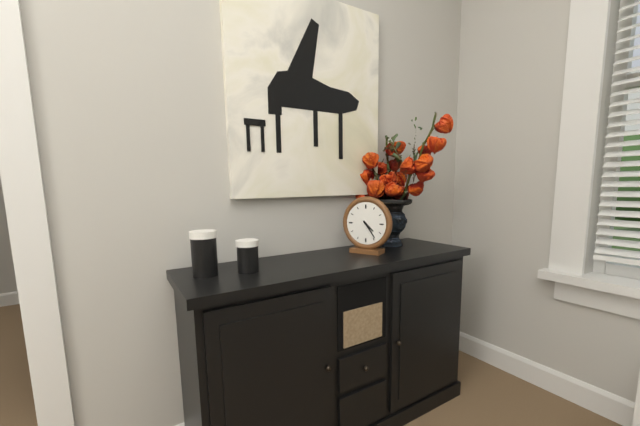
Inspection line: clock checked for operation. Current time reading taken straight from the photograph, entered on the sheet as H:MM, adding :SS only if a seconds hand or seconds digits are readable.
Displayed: 4:24
